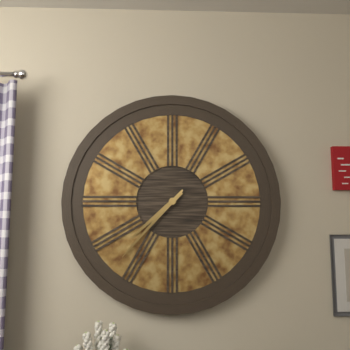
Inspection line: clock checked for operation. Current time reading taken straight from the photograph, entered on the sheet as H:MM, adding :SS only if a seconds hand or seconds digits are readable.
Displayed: 7:37
